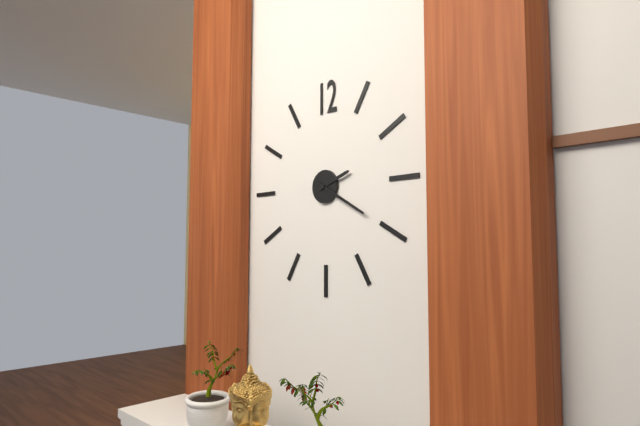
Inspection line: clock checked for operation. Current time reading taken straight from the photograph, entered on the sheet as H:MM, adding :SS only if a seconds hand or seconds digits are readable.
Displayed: 2:20
